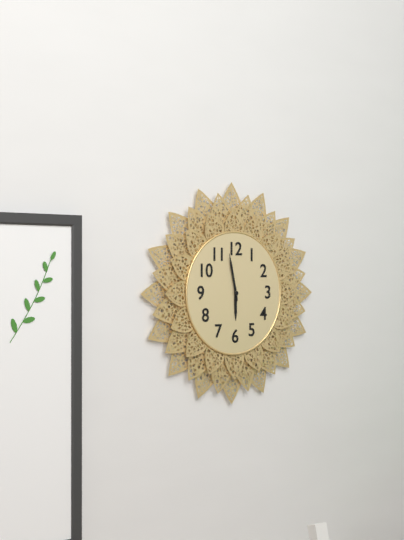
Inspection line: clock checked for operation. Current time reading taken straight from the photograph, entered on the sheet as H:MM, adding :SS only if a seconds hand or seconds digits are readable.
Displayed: 5:58
